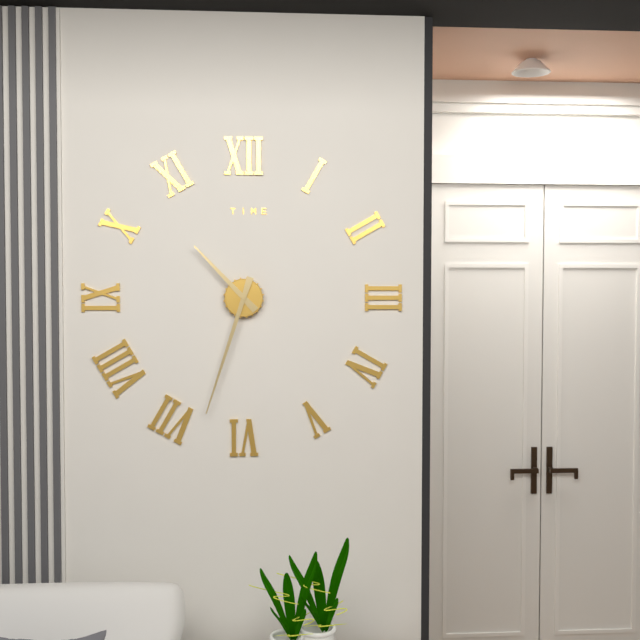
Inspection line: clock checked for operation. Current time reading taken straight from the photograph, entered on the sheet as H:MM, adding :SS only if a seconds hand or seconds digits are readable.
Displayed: 10:33
